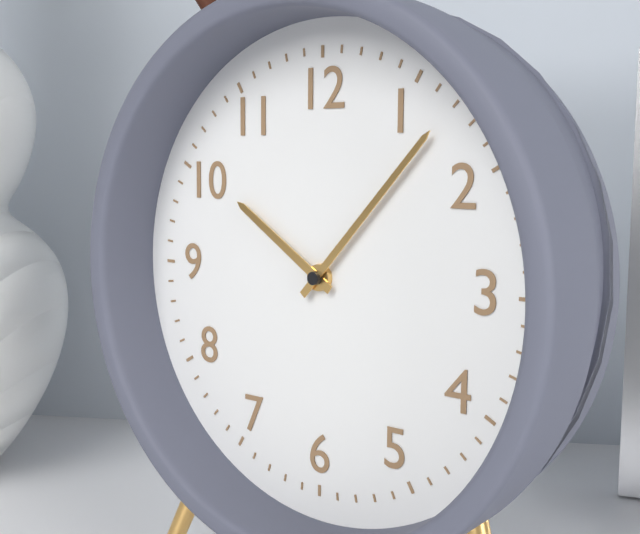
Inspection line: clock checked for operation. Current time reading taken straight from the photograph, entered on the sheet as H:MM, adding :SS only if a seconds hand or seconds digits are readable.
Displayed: 10:07
